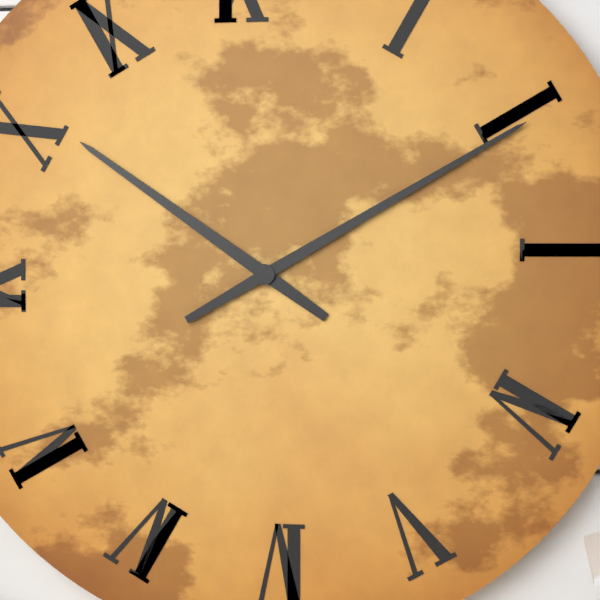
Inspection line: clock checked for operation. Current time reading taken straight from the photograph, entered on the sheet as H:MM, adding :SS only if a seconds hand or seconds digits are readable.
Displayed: 10:10
